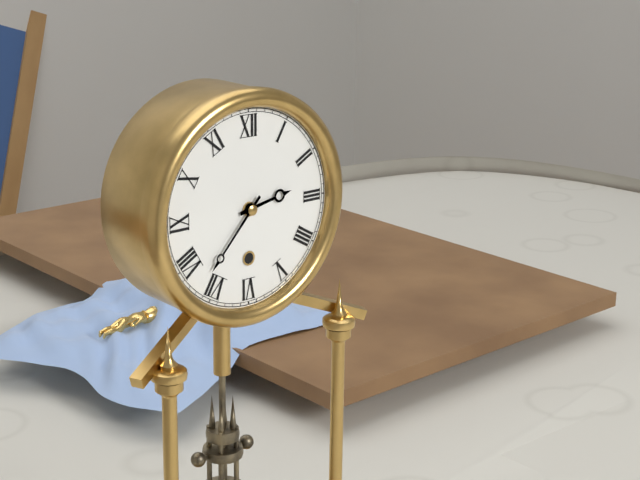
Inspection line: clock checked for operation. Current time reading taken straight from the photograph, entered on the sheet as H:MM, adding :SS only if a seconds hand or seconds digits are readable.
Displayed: 2:37
